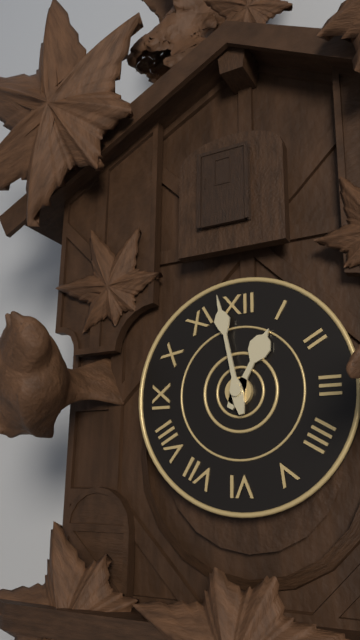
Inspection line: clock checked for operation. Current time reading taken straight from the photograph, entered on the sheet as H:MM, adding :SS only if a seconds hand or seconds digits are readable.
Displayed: 12:58
